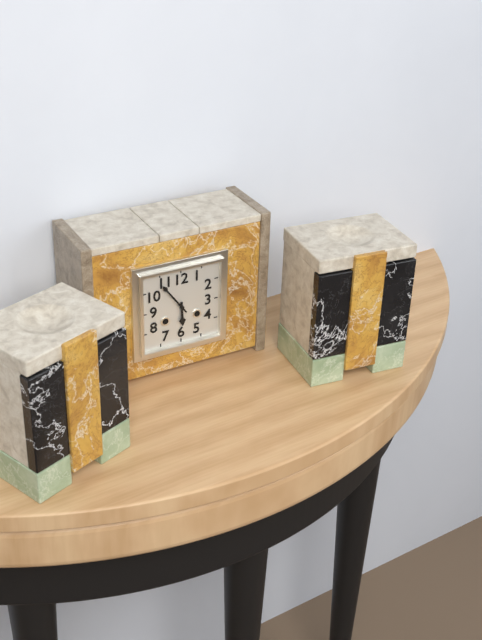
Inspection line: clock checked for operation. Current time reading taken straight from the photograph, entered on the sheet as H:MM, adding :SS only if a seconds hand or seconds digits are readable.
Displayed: 5:54
